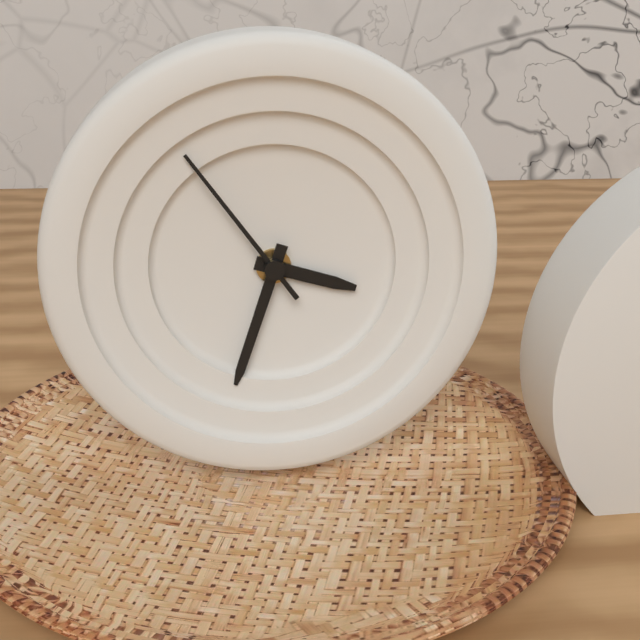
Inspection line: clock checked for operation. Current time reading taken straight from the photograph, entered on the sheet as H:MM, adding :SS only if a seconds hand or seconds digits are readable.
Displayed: 3:33:54
